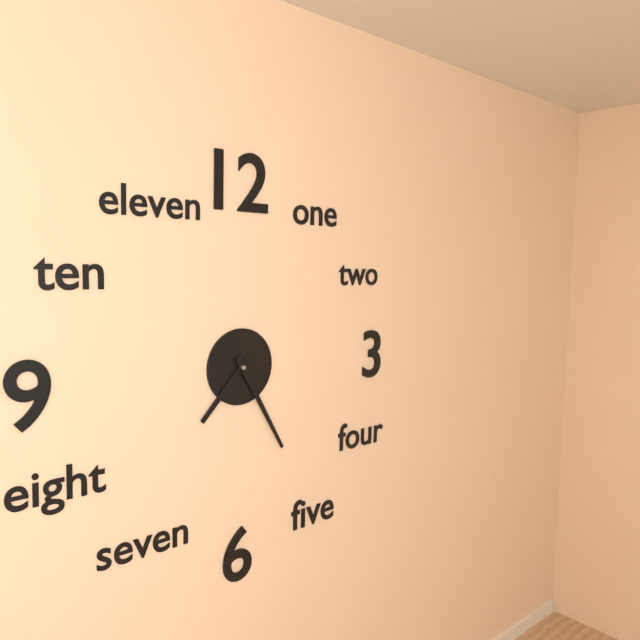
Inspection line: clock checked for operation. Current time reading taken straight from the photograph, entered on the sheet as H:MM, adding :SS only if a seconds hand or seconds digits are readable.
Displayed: 7:25
